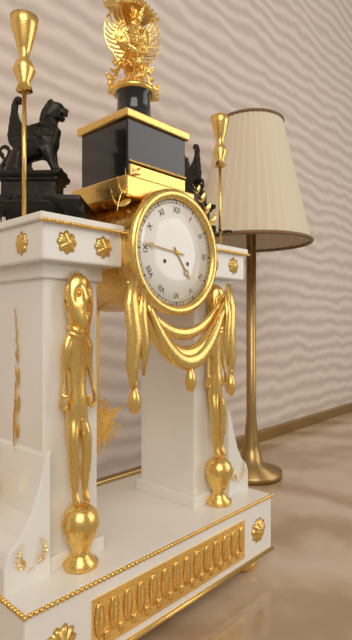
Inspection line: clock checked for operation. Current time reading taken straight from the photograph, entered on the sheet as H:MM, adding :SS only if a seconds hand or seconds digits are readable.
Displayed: 4:46
